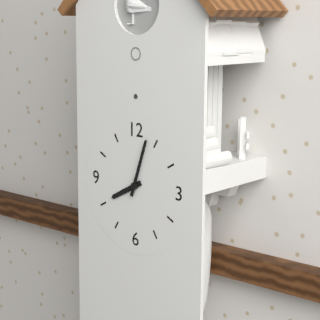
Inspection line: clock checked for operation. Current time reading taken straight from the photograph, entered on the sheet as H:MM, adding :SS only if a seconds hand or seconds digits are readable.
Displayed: 8:03
